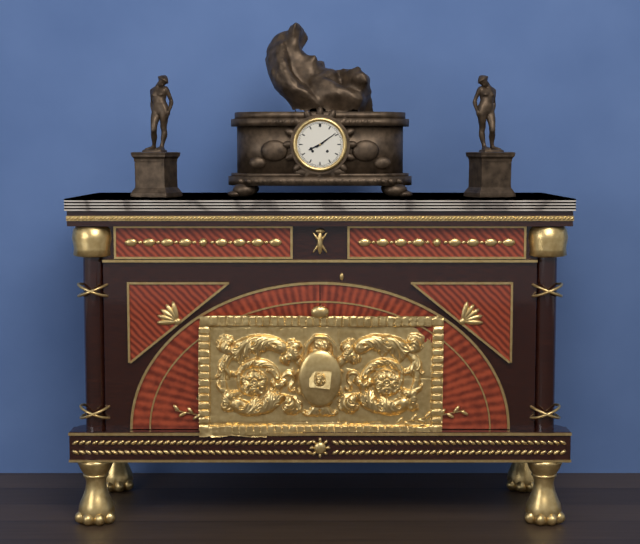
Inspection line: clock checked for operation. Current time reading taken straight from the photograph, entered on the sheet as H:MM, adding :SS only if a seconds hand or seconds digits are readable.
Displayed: 8:09
